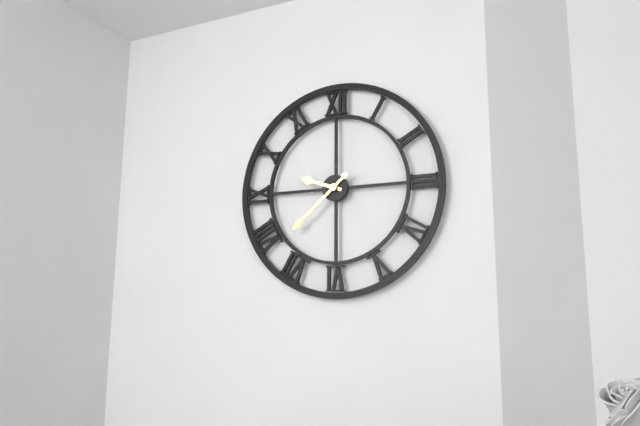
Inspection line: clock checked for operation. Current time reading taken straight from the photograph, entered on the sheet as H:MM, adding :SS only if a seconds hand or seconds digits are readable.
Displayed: 9:38
